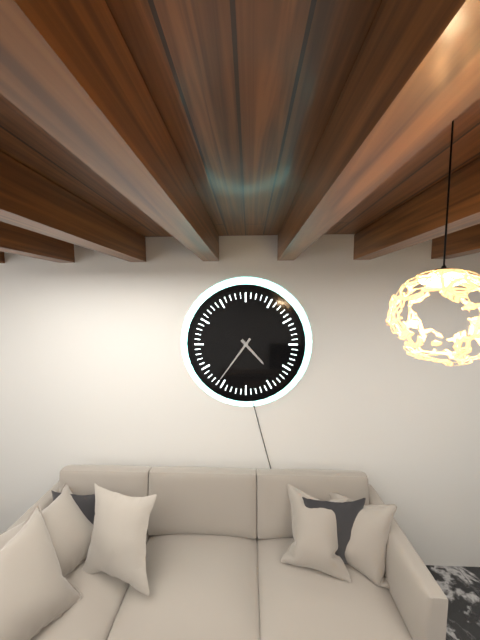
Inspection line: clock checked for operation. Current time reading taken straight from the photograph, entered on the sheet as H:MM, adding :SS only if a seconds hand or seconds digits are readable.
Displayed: 4:36
